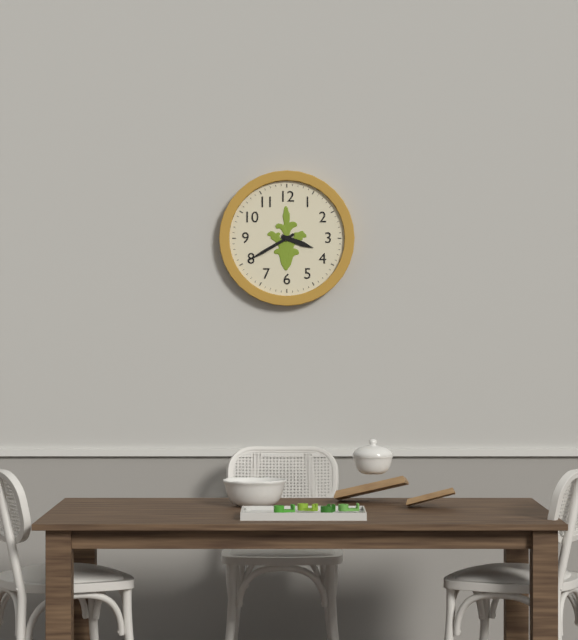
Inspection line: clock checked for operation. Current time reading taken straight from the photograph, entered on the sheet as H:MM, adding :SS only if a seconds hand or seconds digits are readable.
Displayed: 3:40
